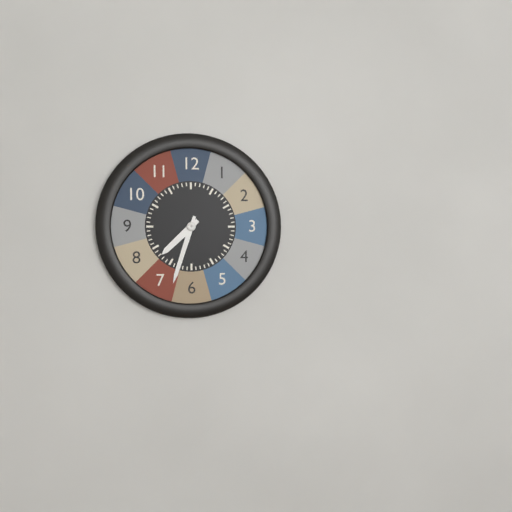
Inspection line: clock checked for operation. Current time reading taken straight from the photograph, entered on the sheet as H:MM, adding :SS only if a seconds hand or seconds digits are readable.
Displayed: 7:33
